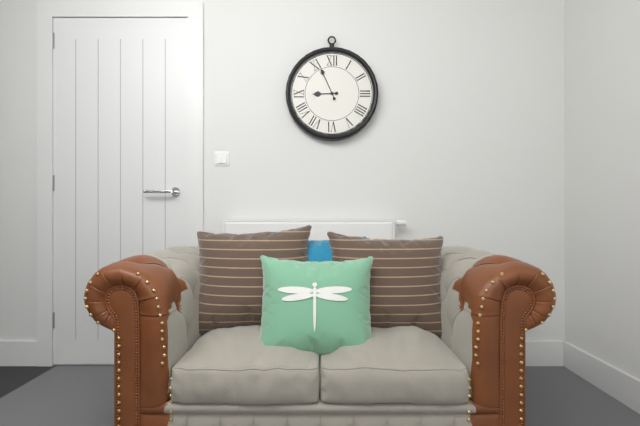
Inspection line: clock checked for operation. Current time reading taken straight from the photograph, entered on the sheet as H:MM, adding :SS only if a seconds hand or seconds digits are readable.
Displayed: 8:56
